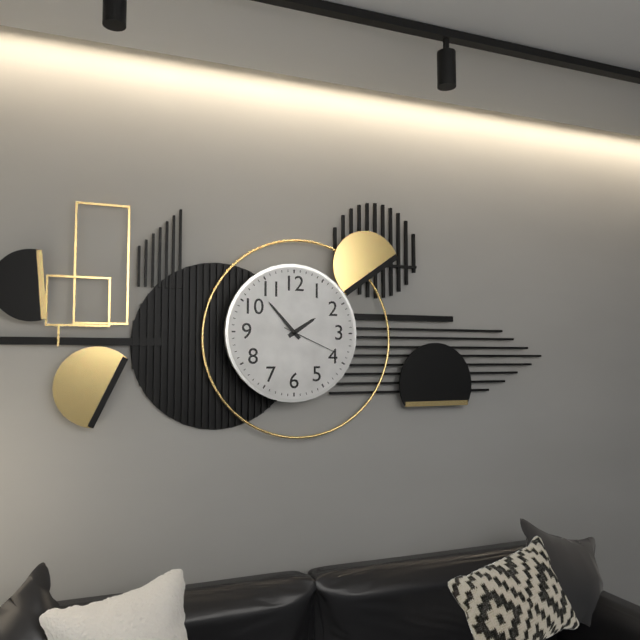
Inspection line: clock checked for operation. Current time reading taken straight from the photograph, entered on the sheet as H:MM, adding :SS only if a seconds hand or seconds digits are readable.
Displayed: 1:53:19
